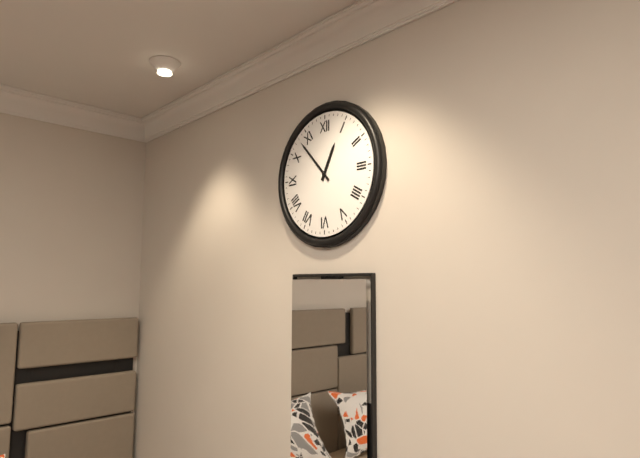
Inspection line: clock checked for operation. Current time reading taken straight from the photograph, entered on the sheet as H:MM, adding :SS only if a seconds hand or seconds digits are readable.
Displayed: 12:53
